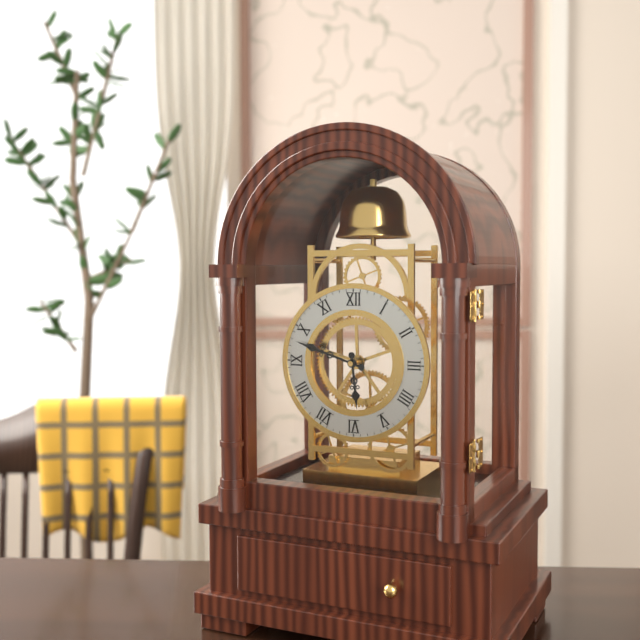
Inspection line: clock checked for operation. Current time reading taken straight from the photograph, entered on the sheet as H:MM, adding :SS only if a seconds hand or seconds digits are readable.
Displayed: 5:48
